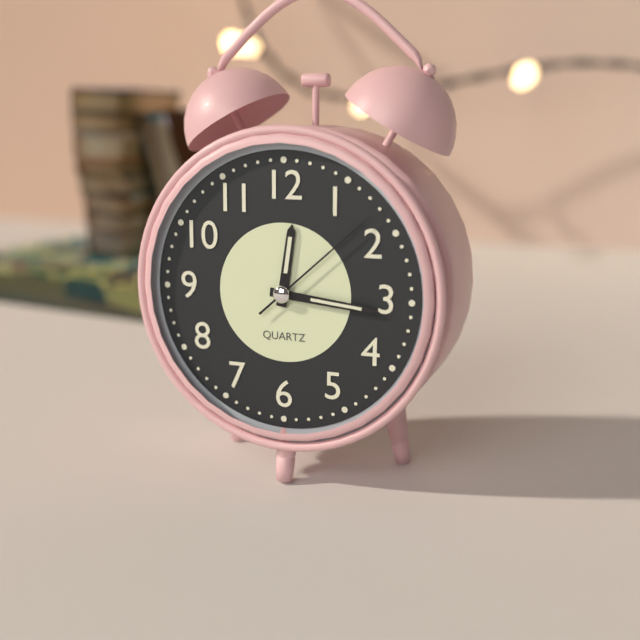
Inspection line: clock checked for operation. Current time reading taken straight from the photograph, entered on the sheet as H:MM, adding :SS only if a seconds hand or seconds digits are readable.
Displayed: 12:16:08
